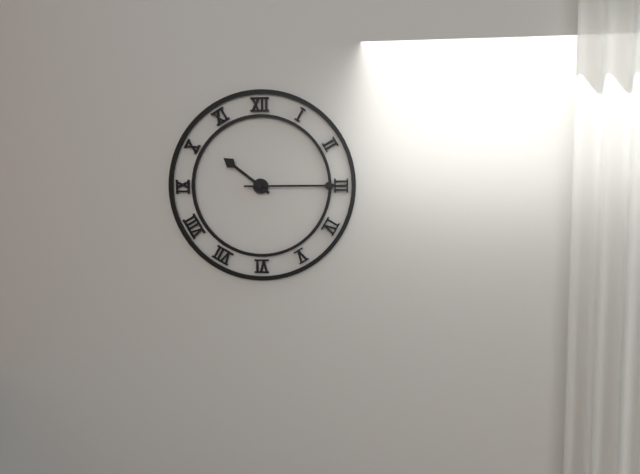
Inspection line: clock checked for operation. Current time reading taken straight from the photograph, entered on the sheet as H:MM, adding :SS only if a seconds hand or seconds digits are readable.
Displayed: 10:15
